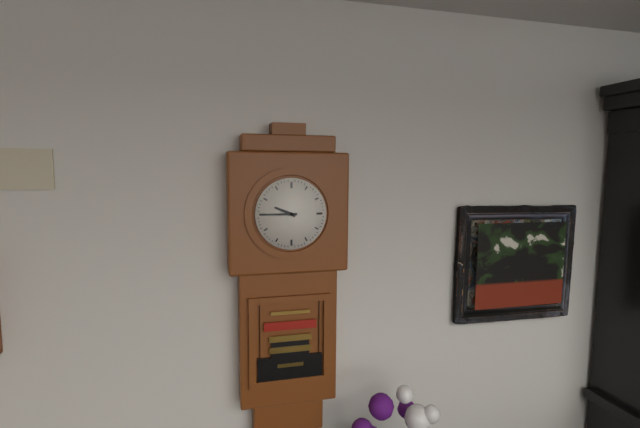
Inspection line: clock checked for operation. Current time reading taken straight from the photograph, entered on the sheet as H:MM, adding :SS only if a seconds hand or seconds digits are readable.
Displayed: 9:45
